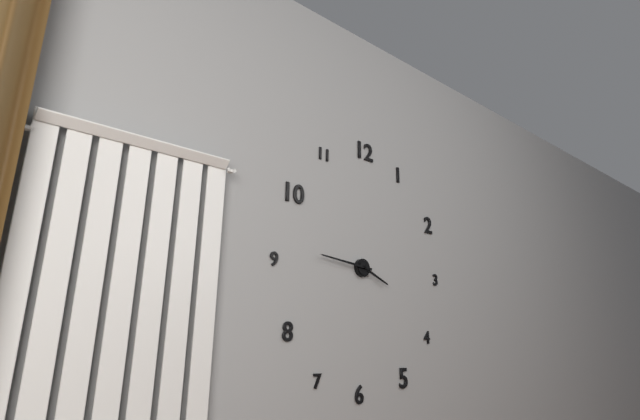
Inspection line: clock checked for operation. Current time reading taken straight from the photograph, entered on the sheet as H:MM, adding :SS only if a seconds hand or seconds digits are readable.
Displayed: 3:46
